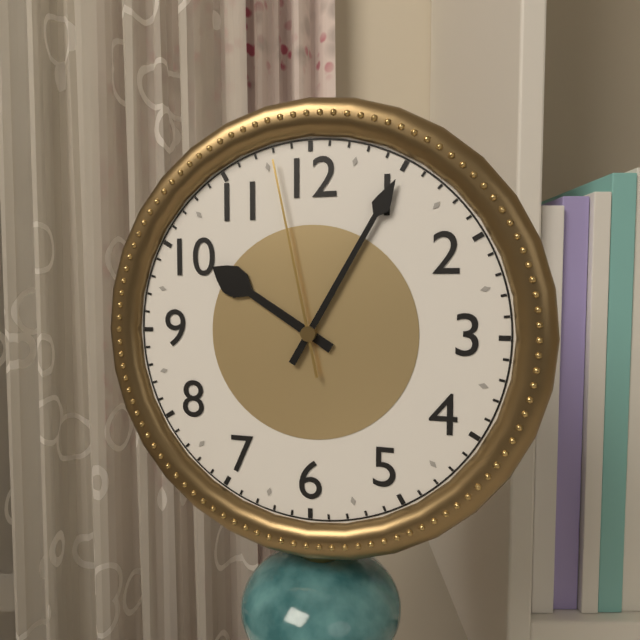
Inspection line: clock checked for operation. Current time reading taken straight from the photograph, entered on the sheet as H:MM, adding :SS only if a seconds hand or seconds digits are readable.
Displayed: 10:05:58
